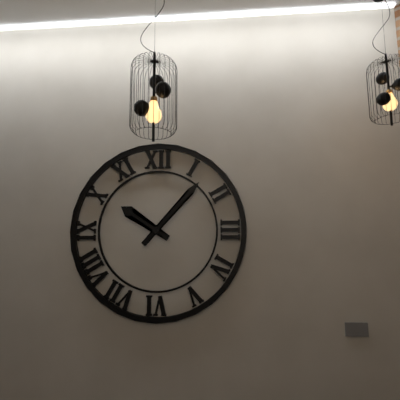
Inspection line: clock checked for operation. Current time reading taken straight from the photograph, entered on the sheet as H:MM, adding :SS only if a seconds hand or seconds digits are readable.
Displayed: 10:07
